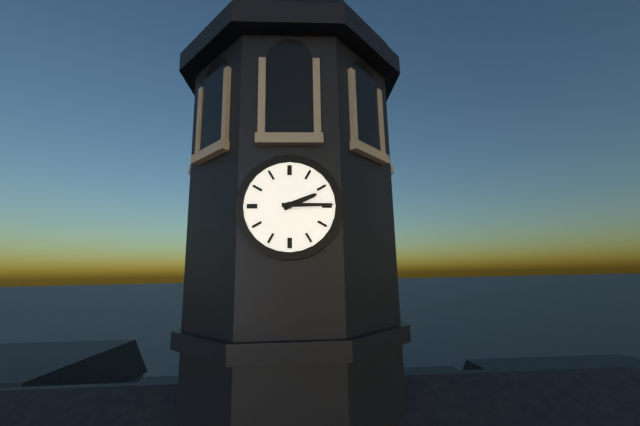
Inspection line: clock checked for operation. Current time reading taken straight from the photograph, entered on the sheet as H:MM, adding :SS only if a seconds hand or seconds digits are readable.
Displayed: 2:15
